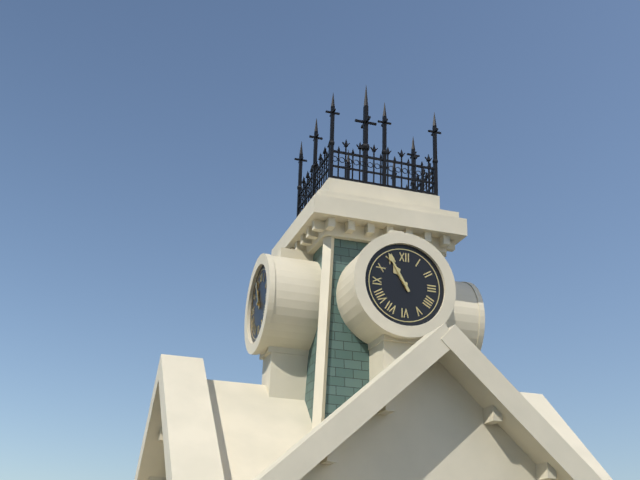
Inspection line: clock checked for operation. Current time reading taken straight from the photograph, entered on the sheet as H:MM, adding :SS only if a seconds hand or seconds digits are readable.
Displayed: 10:55
